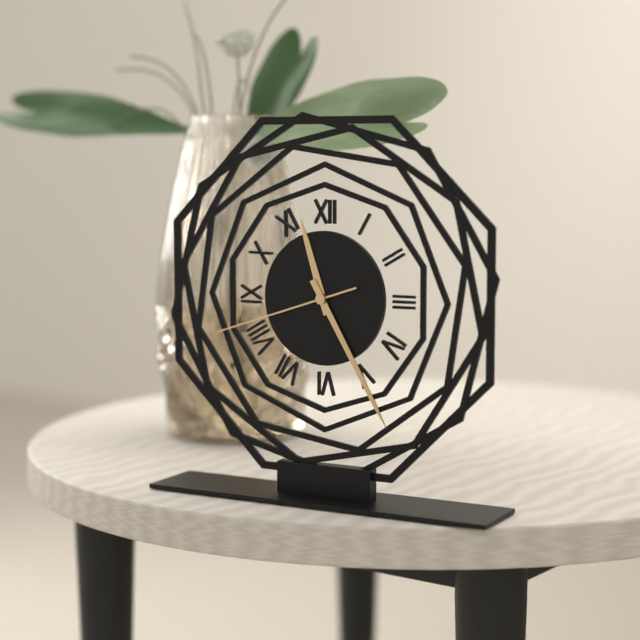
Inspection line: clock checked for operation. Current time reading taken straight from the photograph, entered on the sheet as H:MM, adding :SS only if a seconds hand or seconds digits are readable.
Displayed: 11:25:42
